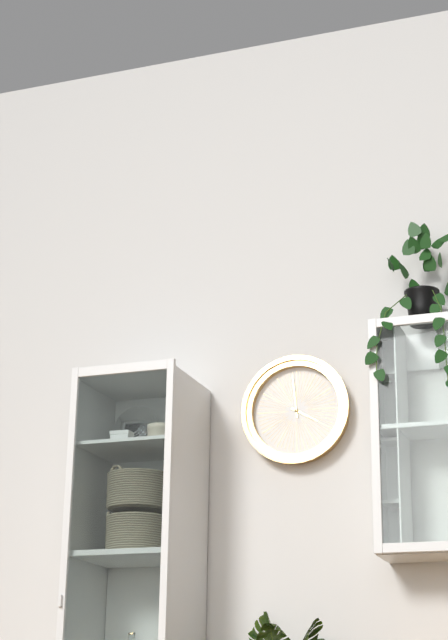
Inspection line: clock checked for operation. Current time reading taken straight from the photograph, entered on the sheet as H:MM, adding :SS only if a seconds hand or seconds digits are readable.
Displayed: 3:59
